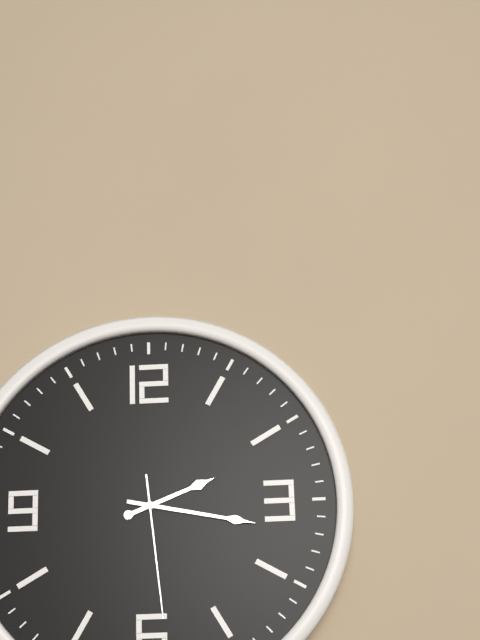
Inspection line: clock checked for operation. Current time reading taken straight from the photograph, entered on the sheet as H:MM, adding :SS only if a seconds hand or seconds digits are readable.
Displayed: 2:17:29
